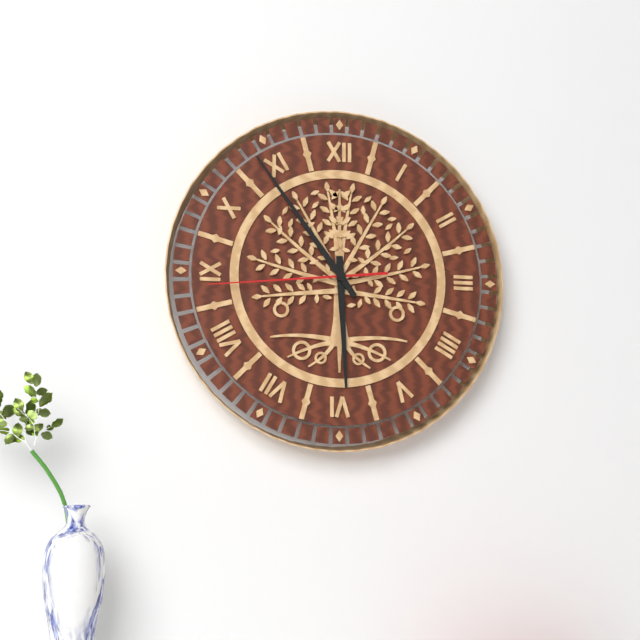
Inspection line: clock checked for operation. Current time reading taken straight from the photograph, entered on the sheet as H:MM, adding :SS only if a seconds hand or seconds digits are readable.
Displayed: 5:54:44
